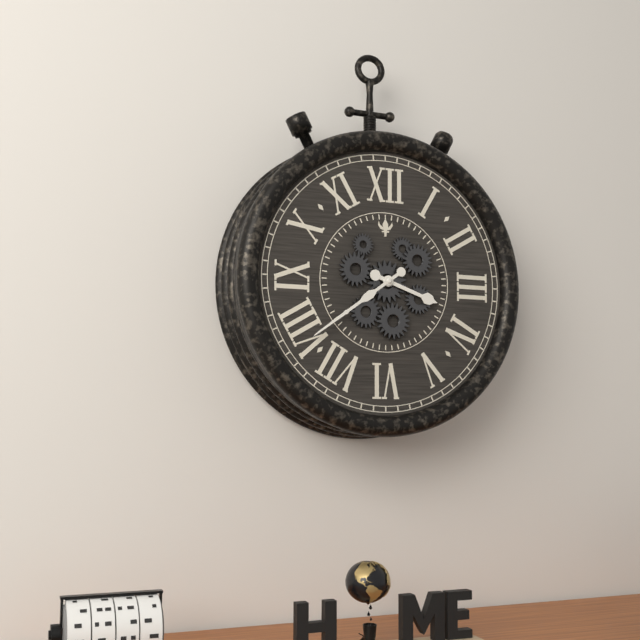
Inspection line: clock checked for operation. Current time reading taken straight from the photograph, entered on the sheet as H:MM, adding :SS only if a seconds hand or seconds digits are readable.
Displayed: 3:39
